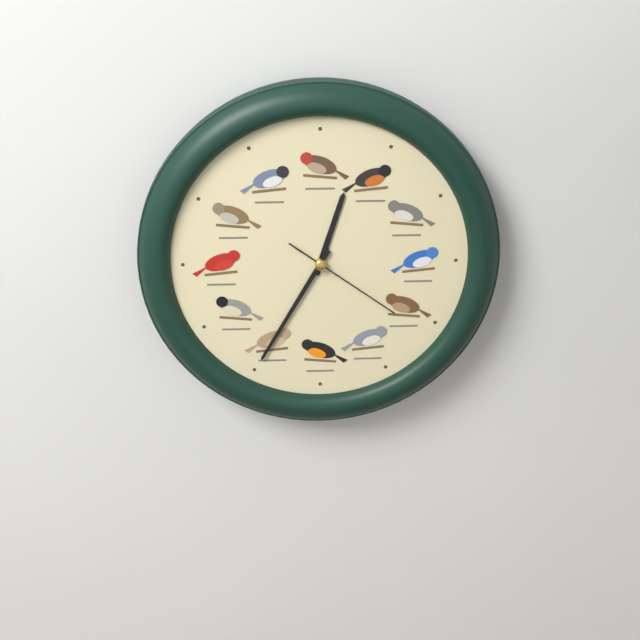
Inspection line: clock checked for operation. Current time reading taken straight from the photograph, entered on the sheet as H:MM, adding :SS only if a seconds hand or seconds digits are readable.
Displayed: 12:35:21
